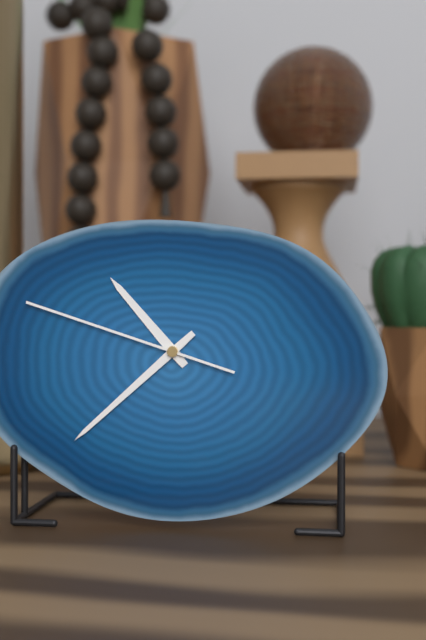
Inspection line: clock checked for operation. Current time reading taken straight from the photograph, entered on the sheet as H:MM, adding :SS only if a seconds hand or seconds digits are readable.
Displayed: 10:38:48
